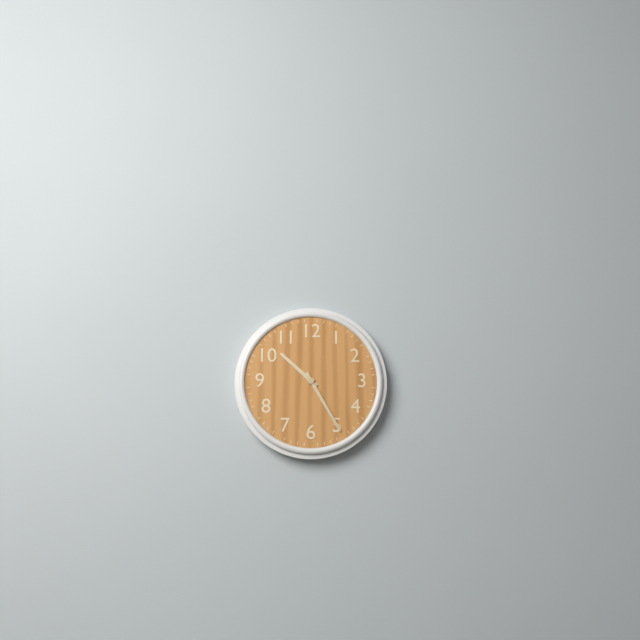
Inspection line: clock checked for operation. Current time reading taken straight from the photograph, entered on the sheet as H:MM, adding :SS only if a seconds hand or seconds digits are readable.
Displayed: 10:25
